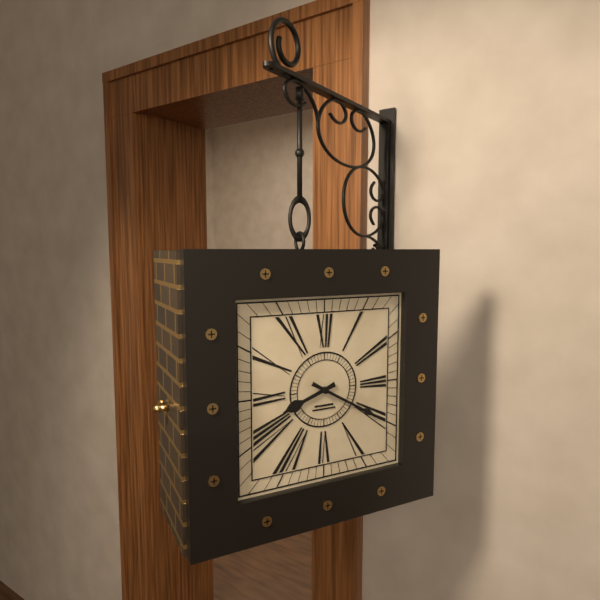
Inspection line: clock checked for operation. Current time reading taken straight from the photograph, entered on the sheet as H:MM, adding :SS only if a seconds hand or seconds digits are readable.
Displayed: 8:20
